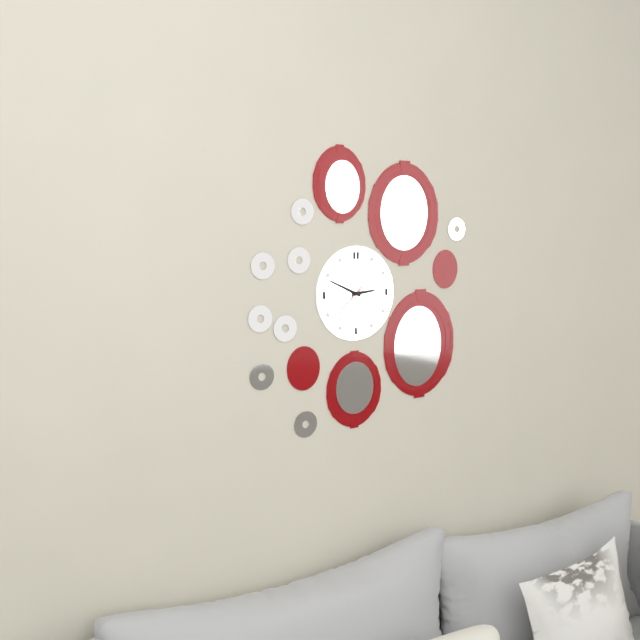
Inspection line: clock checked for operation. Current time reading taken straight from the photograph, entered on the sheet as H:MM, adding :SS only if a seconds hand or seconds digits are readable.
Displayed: 2:49
